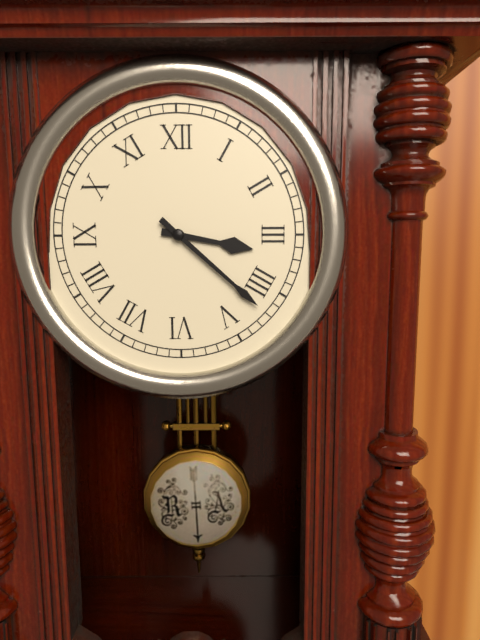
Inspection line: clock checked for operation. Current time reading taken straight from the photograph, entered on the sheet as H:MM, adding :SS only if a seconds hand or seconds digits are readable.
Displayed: 3:22
